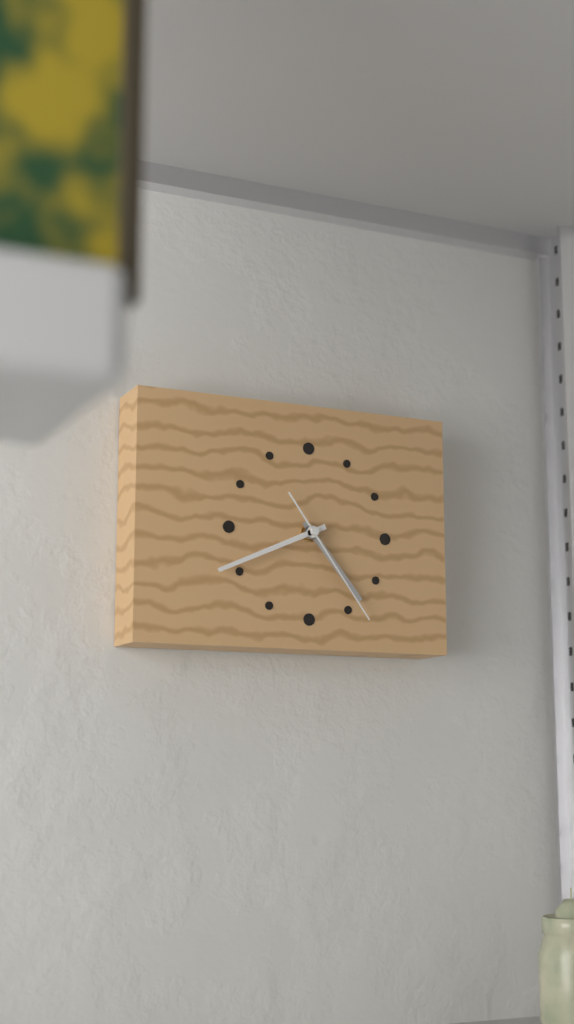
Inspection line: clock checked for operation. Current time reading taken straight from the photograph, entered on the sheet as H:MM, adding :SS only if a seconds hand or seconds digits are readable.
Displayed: 4:41:24
